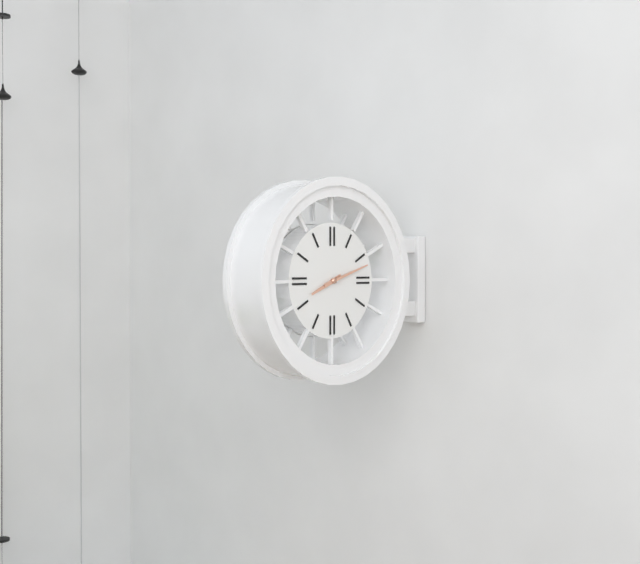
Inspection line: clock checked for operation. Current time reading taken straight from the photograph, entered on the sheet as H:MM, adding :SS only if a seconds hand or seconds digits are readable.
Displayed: 8:12
